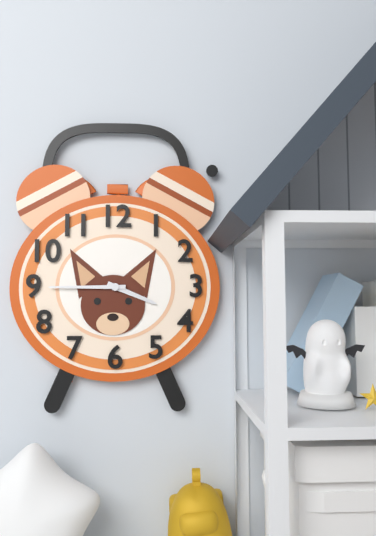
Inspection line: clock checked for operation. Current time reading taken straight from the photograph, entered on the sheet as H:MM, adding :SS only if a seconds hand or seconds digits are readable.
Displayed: 3:45
